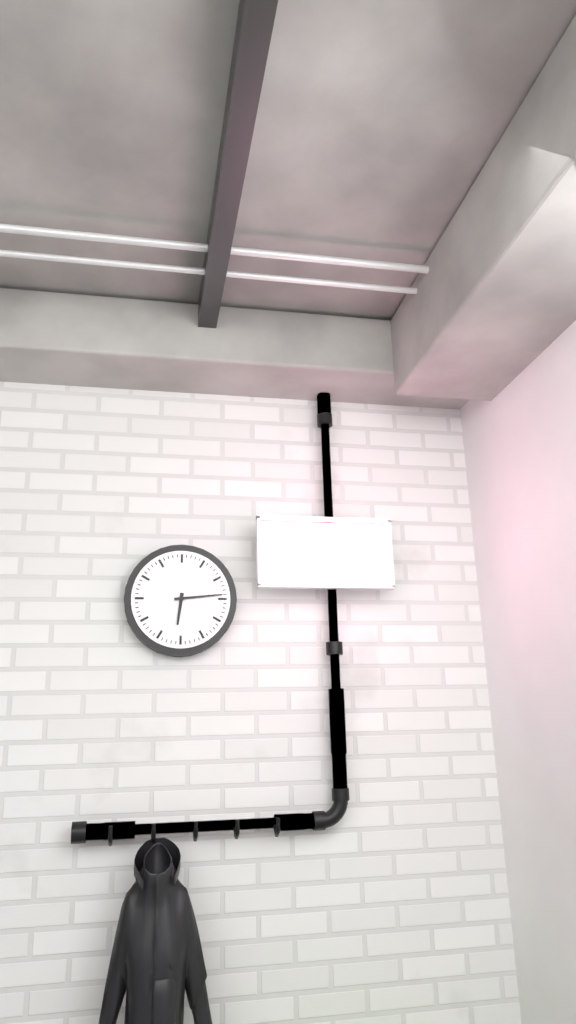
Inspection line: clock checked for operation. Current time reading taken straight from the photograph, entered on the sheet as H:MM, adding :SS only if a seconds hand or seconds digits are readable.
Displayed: 6:14
